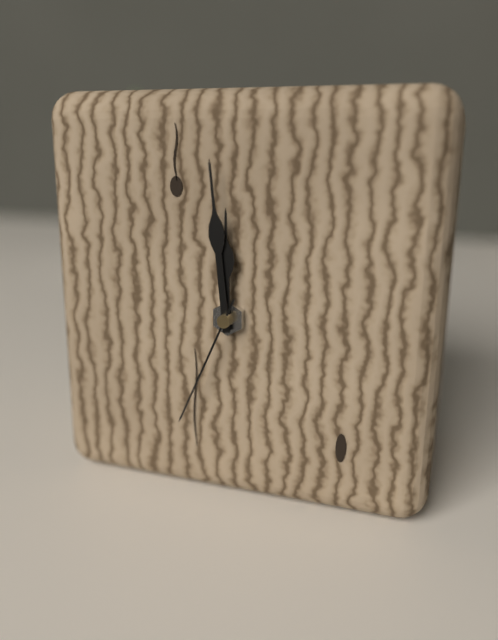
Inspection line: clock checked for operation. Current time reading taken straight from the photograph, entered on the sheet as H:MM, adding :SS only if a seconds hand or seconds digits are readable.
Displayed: 11:59:34
